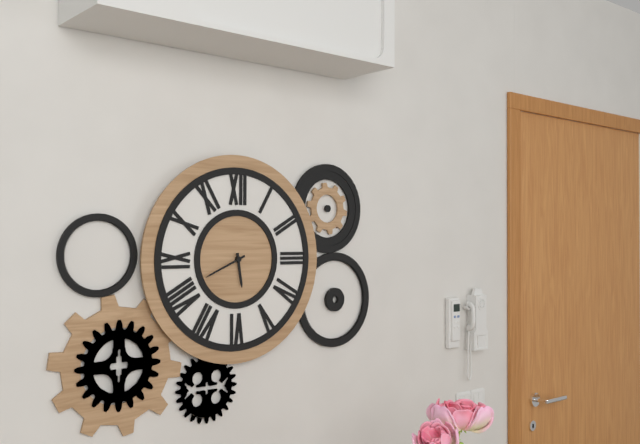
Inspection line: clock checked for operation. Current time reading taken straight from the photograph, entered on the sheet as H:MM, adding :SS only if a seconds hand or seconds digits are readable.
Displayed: 5:41
